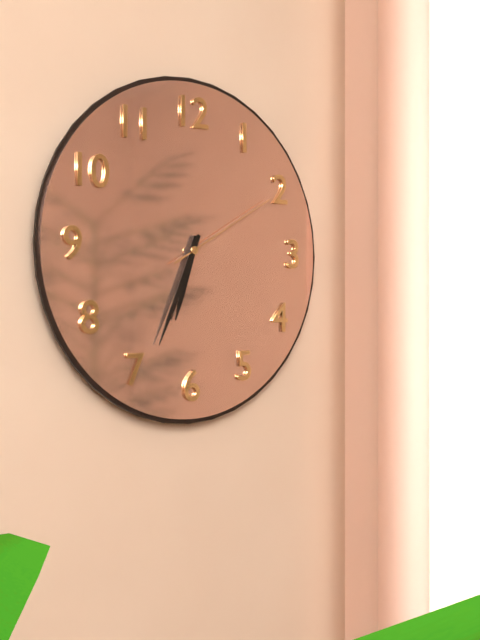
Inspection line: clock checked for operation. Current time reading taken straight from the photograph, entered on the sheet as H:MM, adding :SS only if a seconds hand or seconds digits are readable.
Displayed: 6:34:10
